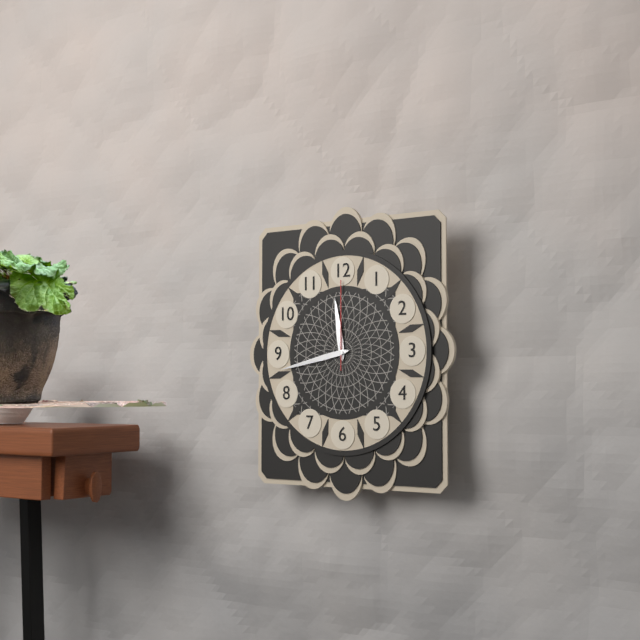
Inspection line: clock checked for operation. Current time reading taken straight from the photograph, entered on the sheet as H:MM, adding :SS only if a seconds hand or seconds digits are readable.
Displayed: 11:43:00
